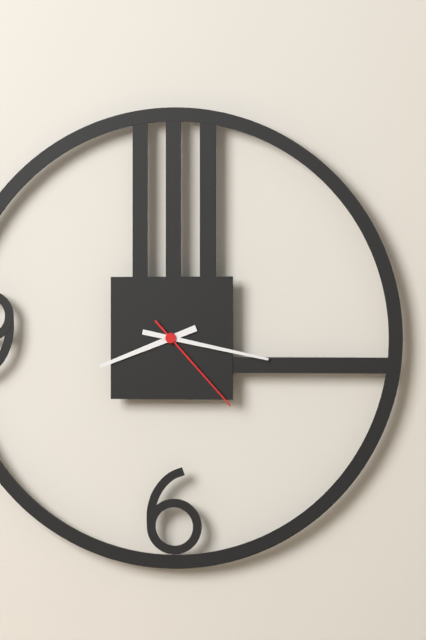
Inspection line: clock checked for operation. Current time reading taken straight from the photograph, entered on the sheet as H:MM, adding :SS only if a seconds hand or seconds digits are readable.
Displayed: 8:17:23
